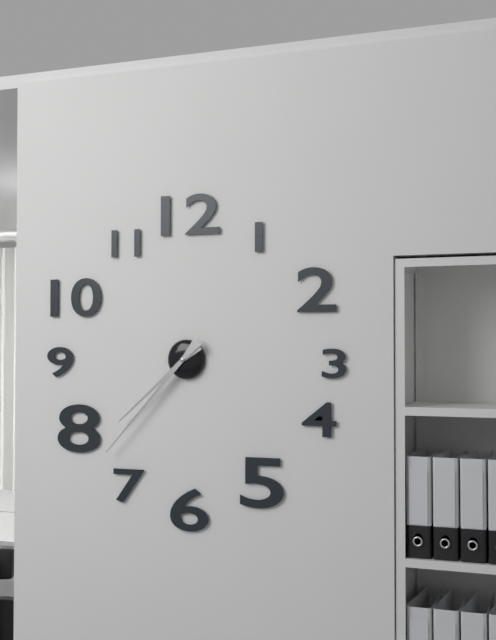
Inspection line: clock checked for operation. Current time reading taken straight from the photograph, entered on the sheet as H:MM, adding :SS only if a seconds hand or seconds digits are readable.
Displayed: 7:37
